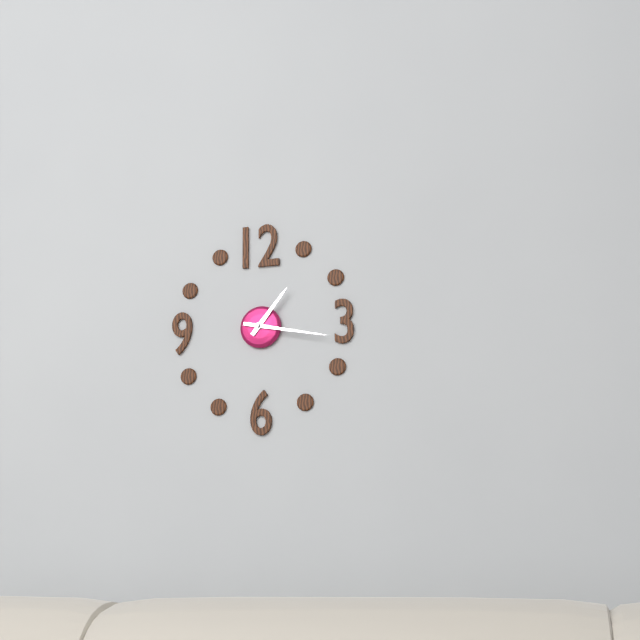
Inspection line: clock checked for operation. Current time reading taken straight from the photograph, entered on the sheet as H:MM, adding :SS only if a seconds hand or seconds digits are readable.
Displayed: 1:17
